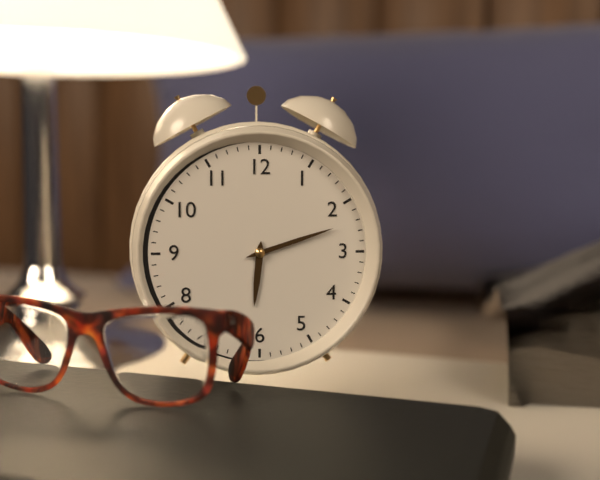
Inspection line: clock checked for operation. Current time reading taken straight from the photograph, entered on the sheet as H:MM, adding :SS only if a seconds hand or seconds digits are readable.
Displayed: 6:12
